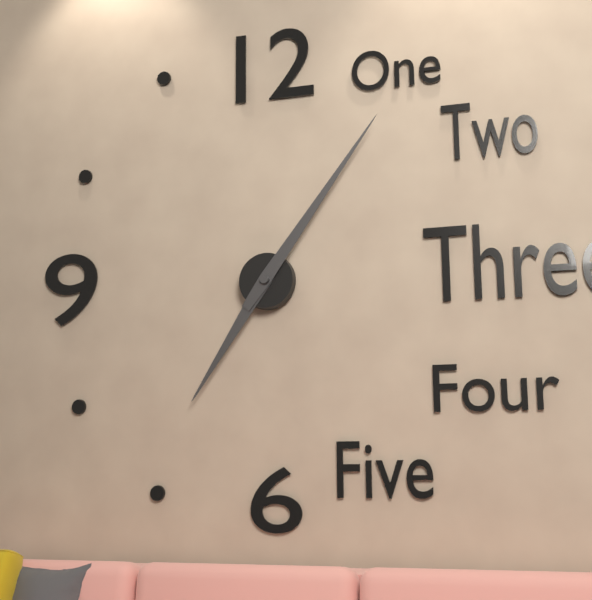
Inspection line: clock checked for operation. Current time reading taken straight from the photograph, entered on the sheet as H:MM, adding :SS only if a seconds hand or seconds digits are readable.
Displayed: 7:06
